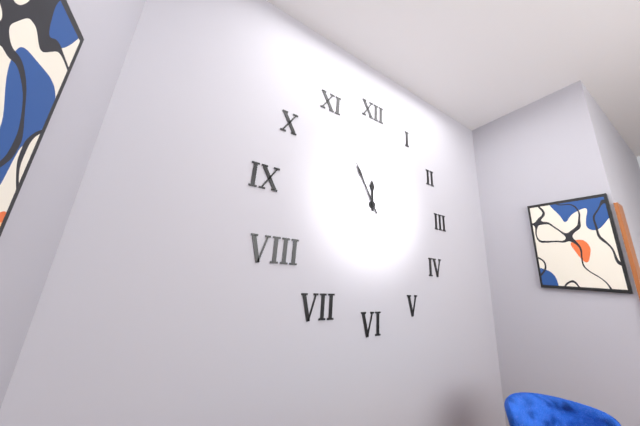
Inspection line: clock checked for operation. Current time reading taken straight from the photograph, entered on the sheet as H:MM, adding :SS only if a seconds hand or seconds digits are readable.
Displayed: 11:55
